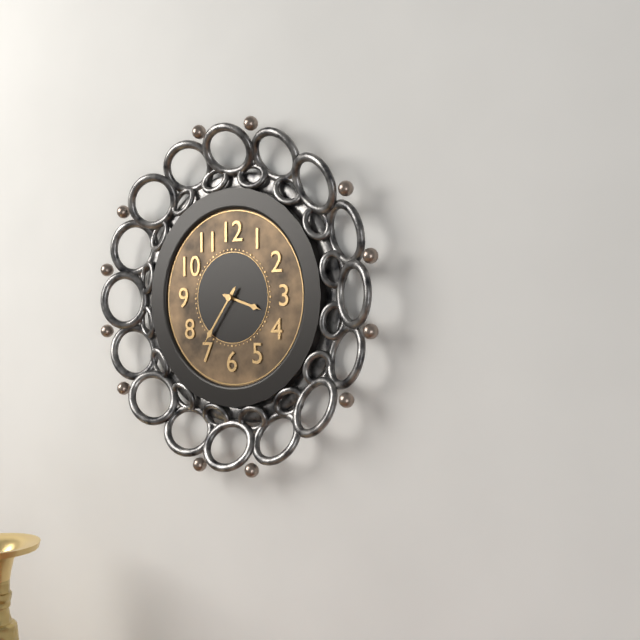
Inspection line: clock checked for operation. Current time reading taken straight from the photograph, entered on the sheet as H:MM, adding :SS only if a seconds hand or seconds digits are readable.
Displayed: 3:36
